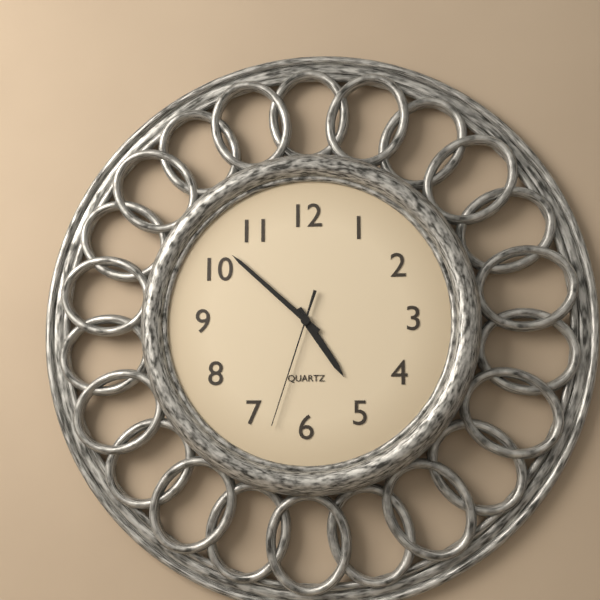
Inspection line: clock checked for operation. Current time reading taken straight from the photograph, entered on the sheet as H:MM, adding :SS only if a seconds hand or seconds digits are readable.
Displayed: 4:52:33
